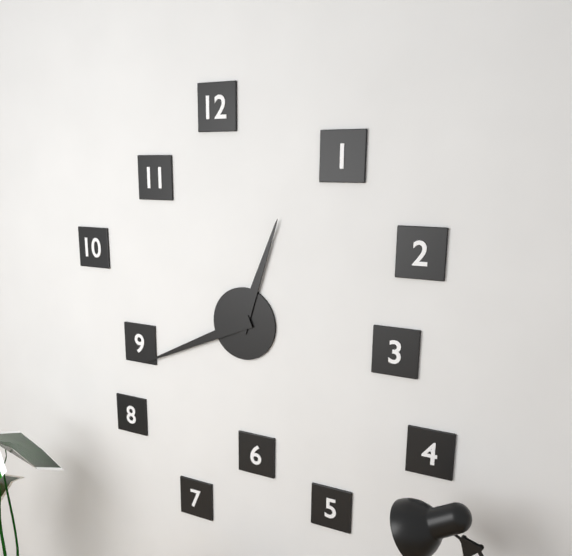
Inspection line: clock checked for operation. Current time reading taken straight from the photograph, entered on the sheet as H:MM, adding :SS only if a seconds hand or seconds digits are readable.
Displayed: 12:41
